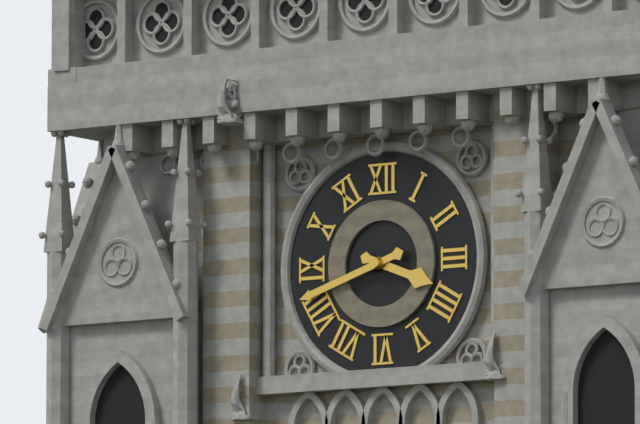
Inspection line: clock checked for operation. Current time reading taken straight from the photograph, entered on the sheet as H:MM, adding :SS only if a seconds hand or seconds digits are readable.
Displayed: 3:42
